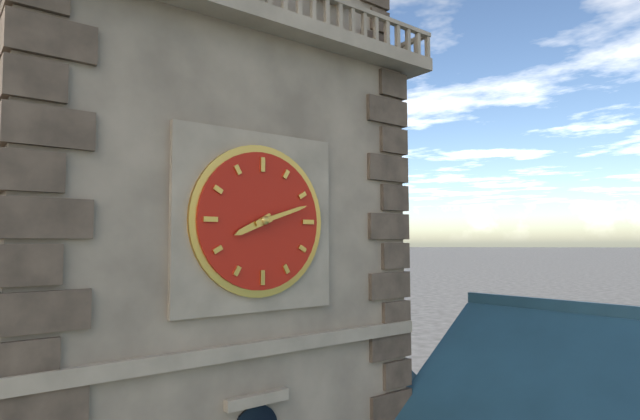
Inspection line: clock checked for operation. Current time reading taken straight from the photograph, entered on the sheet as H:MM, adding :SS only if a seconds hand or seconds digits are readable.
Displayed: 8:12
